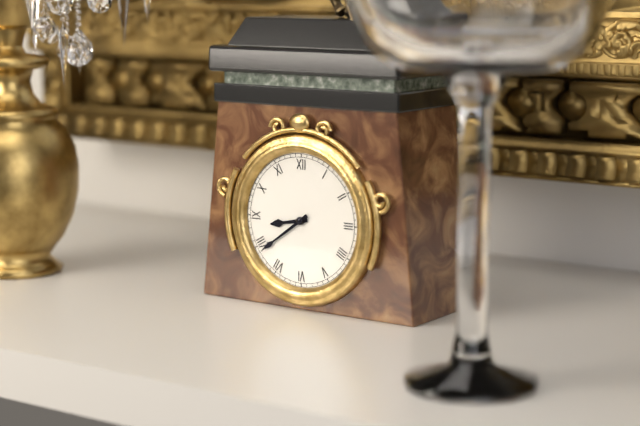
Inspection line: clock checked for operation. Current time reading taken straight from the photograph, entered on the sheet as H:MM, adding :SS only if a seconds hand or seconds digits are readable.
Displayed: 8:39
